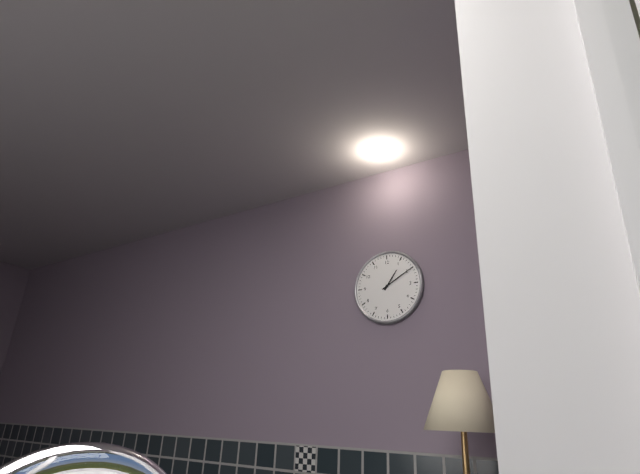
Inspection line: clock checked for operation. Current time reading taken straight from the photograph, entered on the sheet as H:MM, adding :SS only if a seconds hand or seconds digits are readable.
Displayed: 1:10
